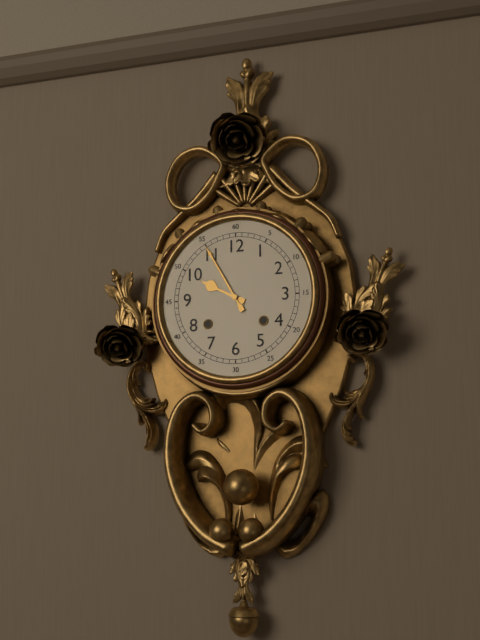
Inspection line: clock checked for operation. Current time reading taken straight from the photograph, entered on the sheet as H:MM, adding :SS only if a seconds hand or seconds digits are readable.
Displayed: 9:55
